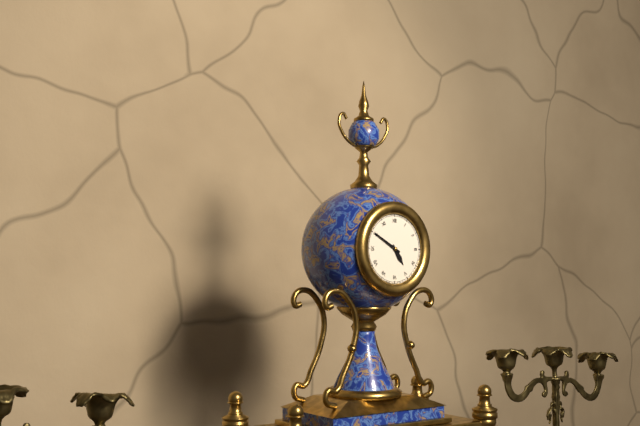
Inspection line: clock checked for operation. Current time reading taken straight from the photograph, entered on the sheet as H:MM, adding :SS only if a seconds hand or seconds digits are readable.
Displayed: 4:50
